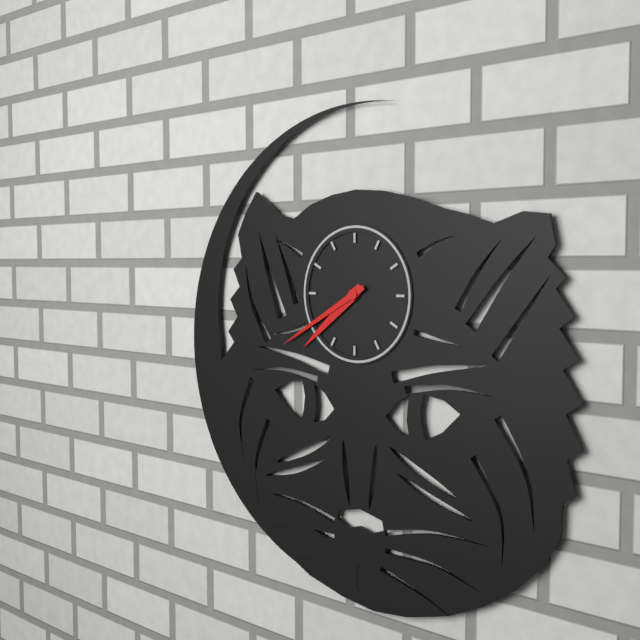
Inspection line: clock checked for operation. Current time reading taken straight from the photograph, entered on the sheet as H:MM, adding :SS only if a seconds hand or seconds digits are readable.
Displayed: 7:40
